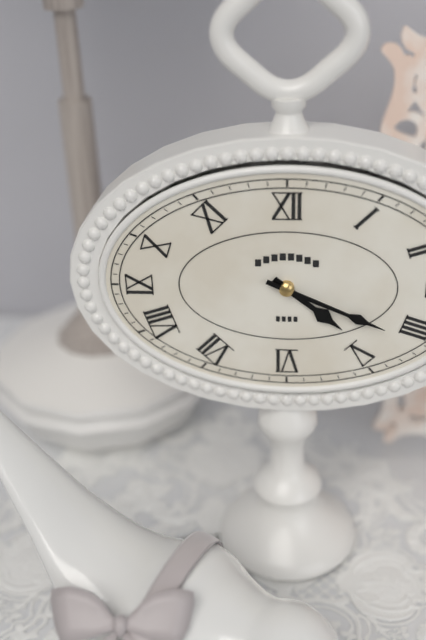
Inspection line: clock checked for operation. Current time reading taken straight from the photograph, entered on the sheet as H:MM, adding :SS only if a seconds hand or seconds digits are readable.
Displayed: 4:19
